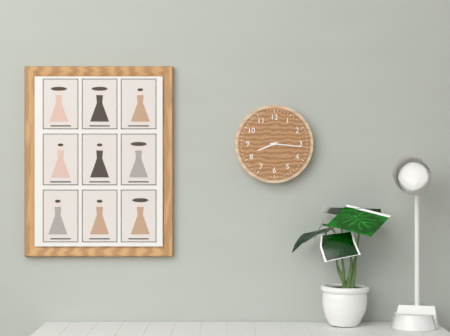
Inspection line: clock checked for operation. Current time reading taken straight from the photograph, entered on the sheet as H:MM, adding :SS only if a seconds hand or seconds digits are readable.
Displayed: 8:16
